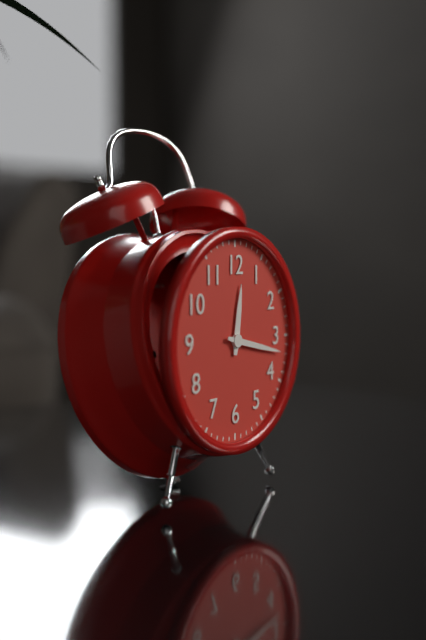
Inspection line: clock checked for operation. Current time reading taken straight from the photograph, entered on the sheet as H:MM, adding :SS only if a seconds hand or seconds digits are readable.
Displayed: 12:17
